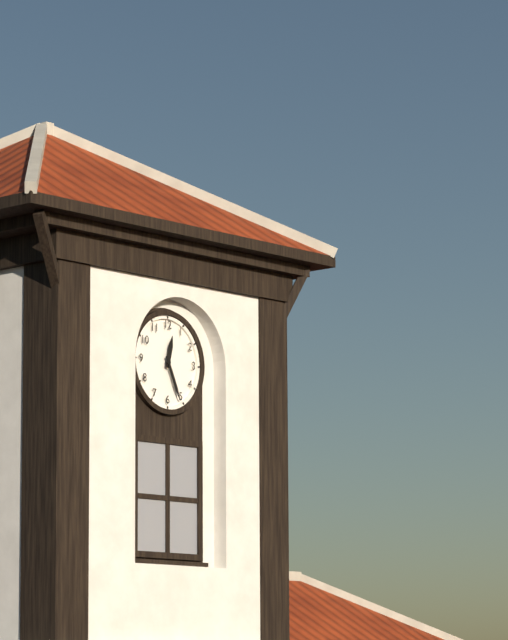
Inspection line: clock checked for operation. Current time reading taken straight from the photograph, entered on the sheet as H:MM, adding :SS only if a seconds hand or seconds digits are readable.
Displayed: 12:26
